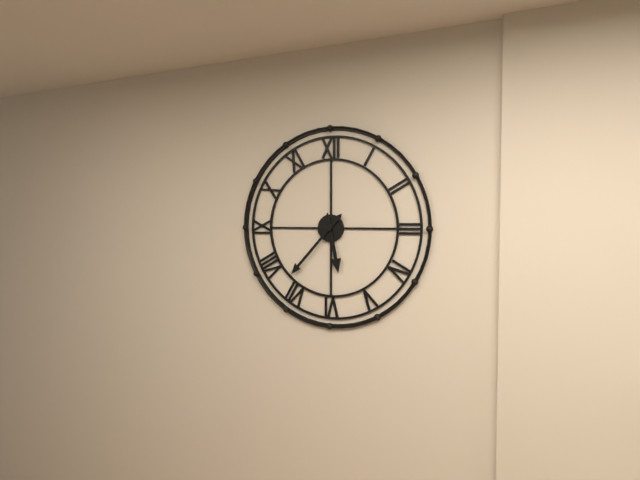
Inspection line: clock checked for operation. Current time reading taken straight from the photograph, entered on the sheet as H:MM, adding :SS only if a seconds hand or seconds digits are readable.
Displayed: 5:37
